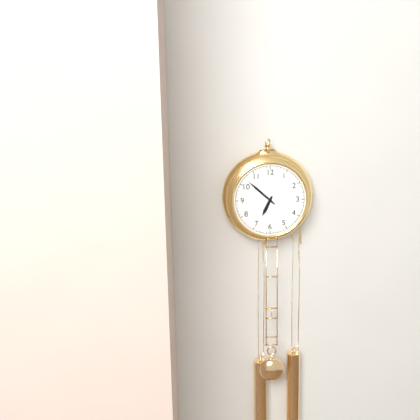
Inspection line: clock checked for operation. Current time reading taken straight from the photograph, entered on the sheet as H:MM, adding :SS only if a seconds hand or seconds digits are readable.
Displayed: 6:52
